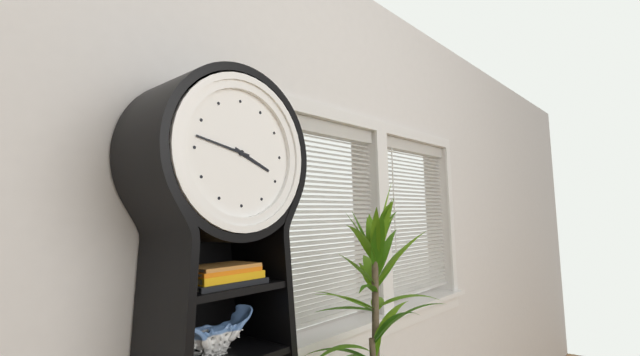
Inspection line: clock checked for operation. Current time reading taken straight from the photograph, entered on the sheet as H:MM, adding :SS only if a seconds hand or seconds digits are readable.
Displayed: 3:47
